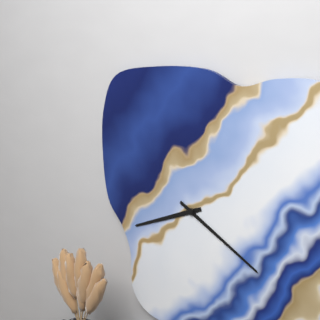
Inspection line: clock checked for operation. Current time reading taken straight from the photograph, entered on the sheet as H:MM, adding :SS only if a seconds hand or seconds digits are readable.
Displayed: 8:20
